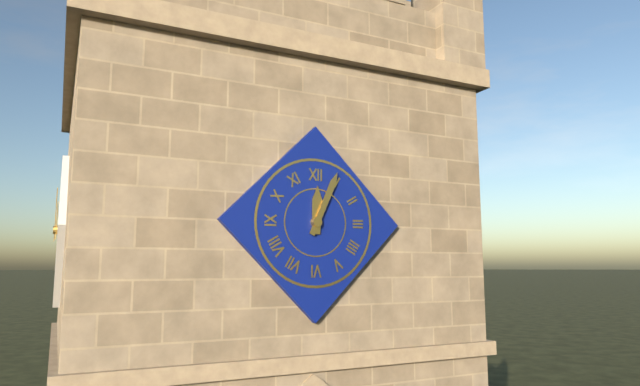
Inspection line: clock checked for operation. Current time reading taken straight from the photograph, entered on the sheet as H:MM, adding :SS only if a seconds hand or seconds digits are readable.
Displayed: 12:04
